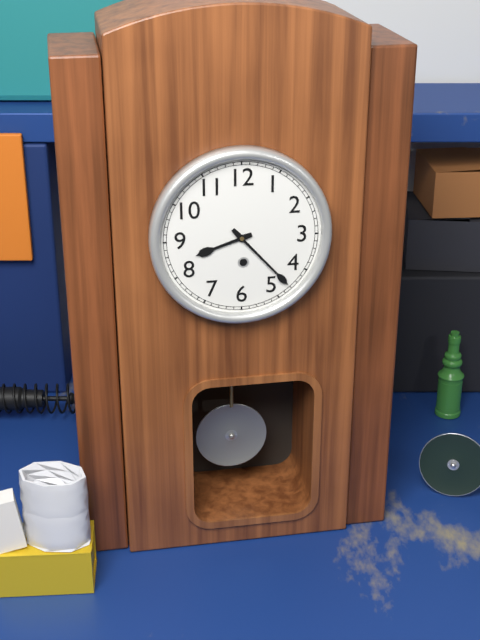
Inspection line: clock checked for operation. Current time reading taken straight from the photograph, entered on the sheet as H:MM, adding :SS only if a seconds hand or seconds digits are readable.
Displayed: 8:23
